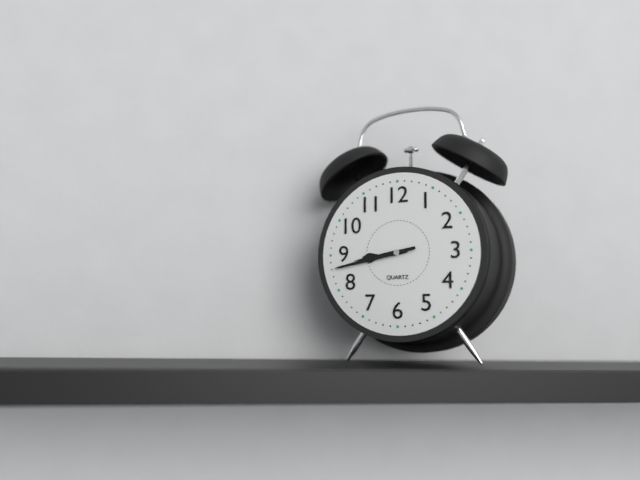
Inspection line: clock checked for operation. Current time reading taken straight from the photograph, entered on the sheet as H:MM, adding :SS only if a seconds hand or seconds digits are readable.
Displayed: 8:43
